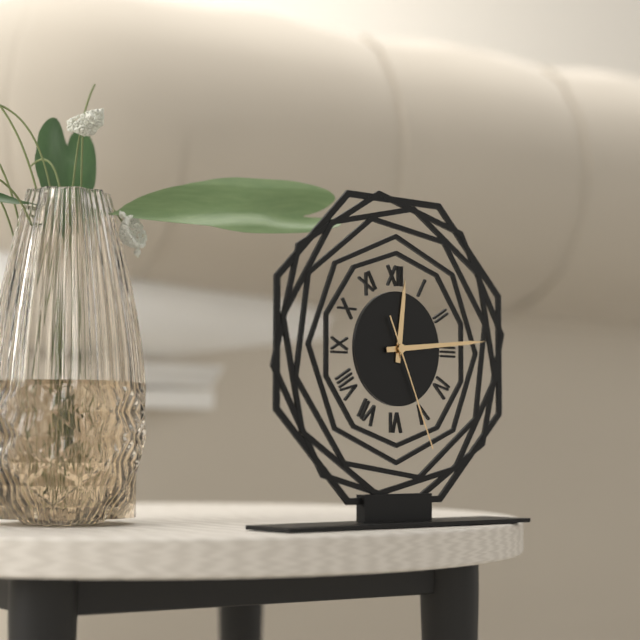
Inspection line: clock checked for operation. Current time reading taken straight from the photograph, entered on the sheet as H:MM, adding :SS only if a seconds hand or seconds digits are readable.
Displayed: 12:14:26
